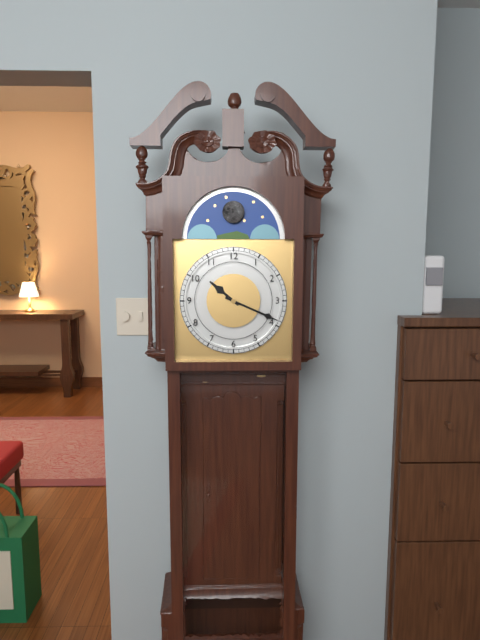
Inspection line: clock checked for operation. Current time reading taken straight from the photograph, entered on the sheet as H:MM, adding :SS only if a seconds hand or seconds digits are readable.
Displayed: 10:19
